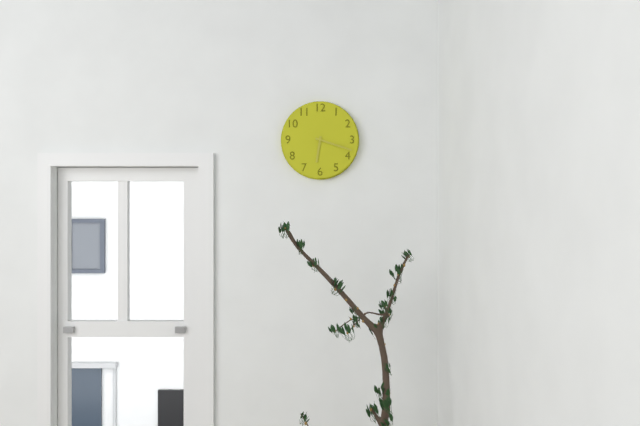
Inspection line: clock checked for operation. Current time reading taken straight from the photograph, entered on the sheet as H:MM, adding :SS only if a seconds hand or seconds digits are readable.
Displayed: 6:18
